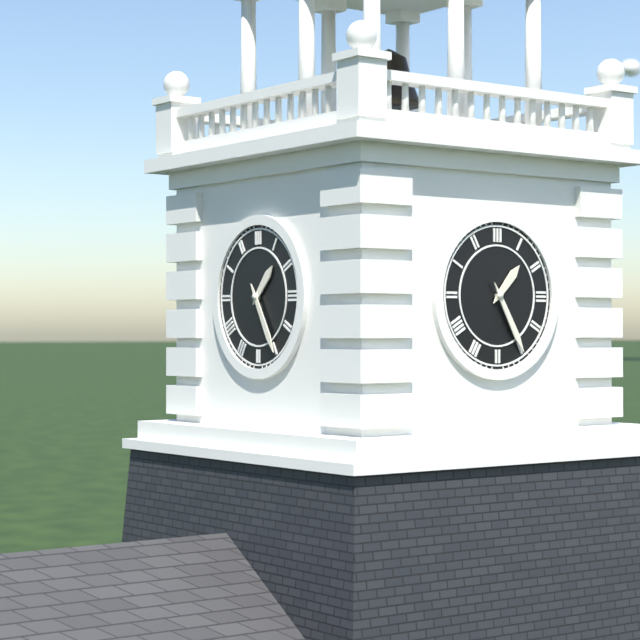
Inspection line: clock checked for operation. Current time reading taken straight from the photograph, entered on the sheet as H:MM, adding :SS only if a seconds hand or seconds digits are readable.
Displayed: 1:25
